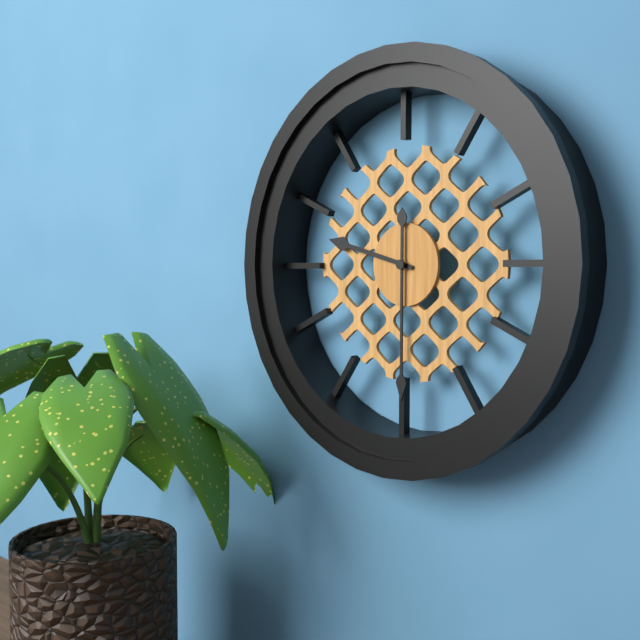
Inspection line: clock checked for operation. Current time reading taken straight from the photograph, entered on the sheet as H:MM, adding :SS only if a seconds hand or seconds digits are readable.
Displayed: 9:30
